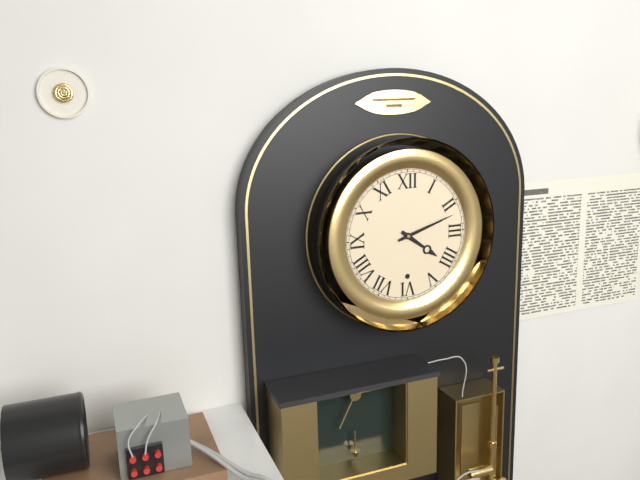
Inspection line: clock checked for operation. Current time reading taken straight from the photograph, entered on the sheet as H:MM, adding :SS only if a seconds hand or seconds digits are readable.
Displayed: 4:12
